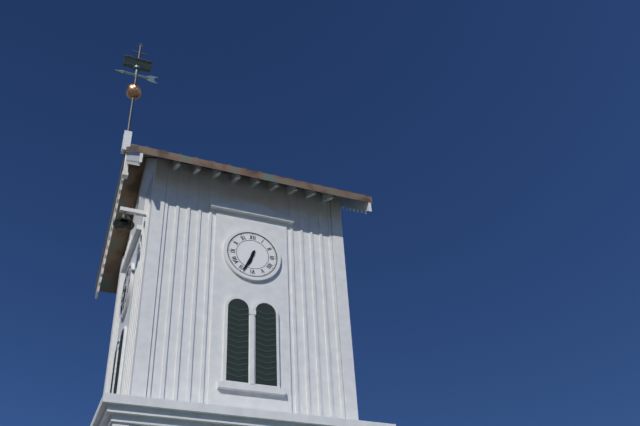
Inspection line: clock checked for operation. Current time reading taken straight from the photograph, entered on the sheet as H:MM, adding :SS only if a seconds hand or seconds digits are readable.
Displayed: 6:34
